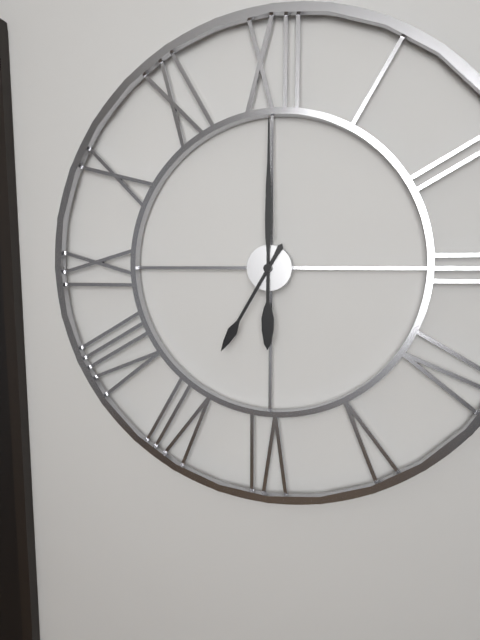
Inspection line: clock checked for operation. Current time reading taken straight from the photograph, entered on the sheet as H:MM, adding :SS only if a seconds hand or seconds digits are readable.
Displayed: 7:00
